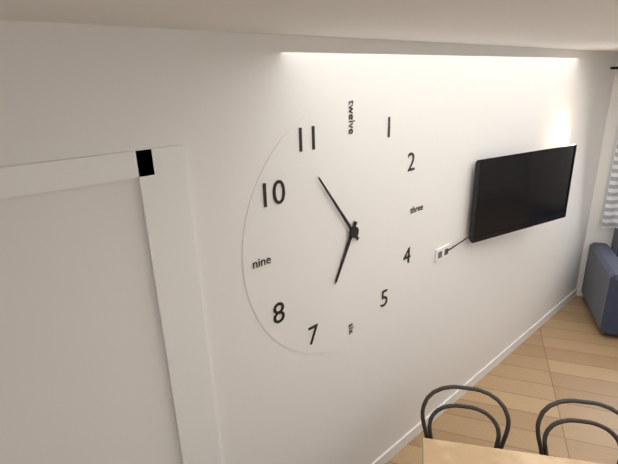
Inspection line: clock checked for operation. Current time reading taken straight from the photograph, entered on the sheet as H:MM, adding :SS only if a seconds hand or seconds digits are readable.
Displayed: 6:54
